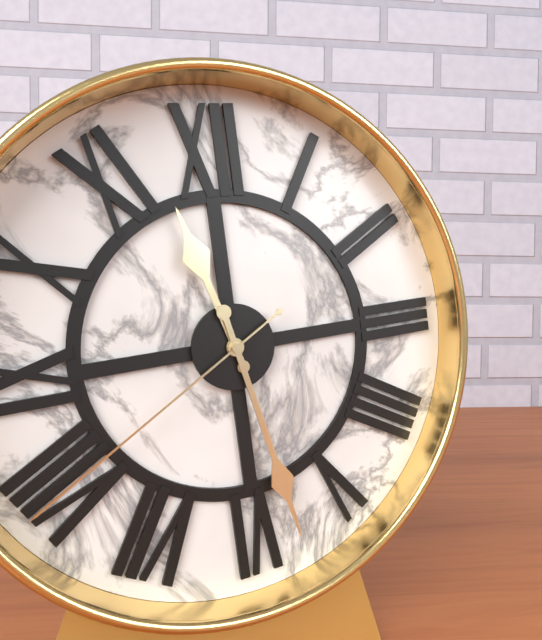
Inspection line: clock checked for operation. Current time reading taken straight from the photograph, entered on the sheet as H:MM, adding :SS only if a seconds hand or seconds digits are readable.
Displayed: 11:28:40
